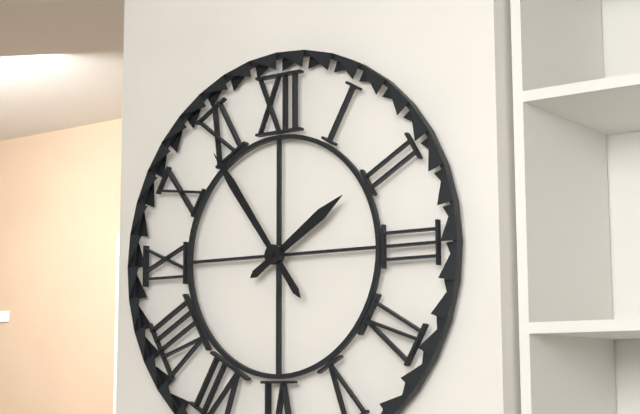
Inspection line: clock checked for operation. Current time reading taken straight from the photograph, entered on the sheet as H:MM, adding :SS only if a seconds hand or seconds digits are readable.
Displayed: 1:54
